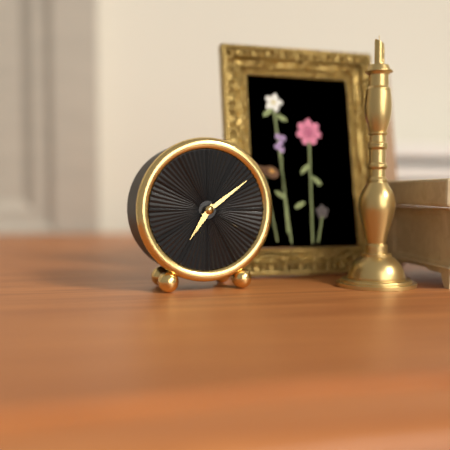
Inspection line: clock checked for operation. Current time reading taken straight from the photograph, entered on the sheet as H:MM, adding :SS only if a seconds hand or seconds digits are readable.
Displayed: 7:09
